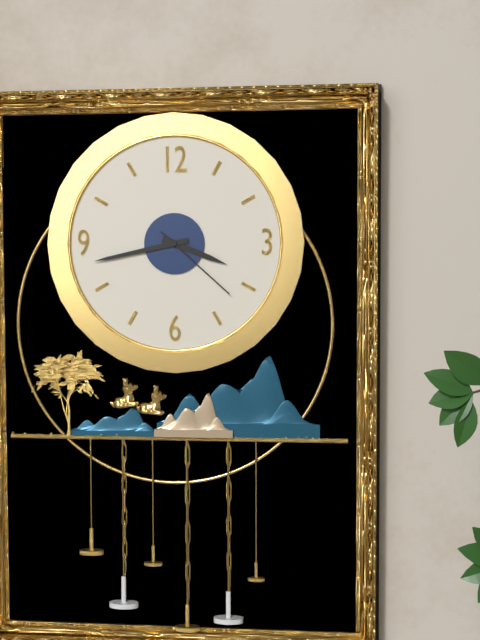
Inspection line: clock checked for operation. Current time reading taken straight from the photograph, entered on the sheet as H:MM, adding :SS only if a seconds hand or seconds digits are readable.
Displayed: 3:43:22
